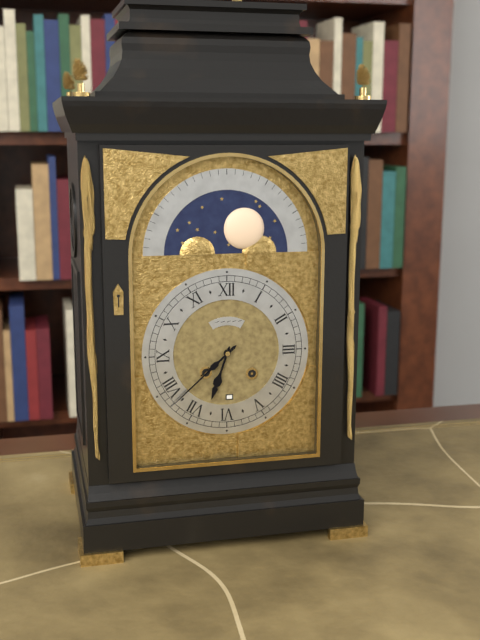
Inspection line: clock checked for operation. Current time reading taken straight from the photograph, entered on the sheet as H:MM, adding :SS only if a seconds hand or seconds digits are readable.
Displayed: 6:38
